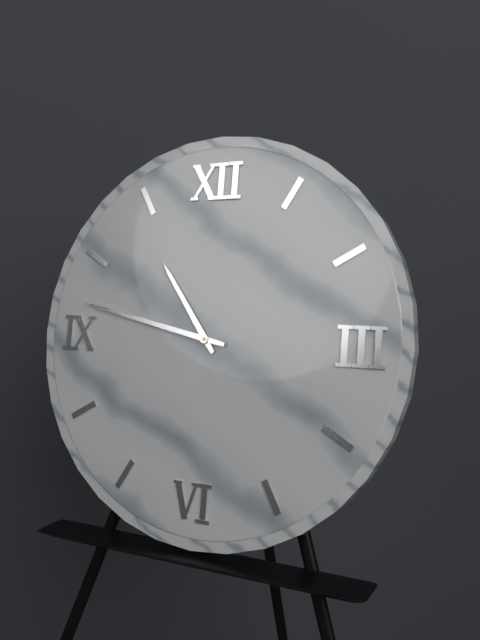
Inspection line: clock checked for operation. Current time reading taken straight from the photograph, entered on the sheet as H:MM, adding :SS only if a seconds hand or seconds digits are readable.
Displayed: 10:47
